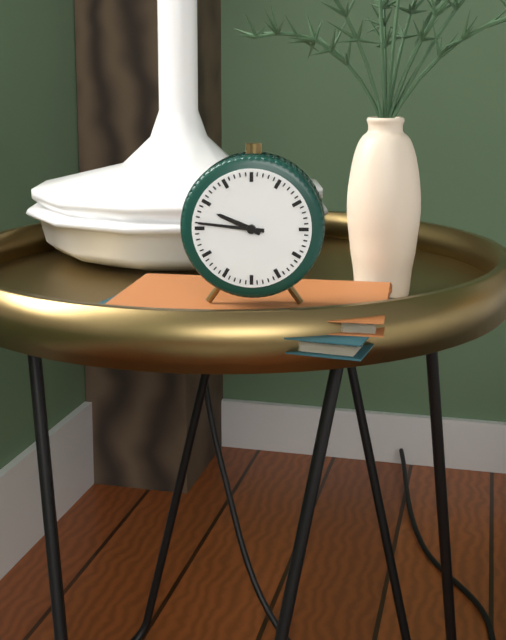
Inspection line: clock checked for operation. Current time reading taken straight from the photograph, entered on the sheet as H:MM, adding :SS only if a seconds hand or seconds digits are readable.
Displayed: 9:46
